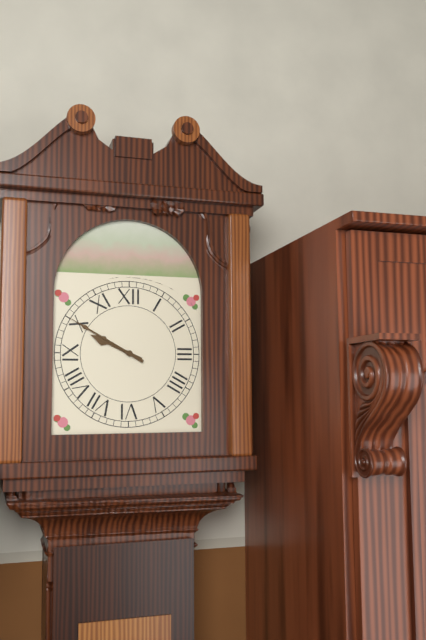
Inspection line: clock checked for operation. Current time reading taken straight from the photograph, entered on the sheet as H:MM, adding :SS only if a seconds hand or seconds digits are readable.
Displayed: 9:50
